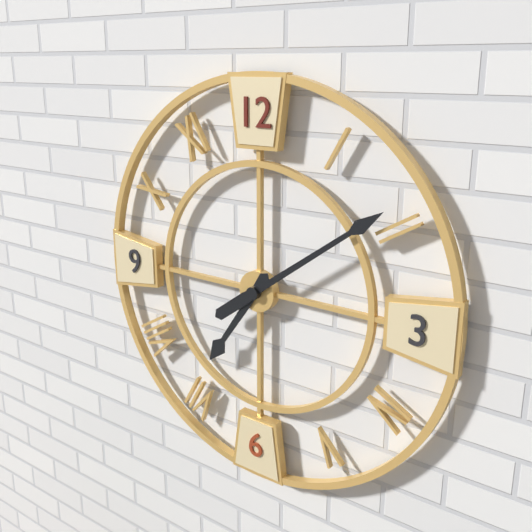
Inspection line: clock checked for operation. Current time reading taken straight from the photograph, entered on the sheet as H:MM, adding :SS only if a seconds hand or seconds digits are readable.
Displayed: 7:09
